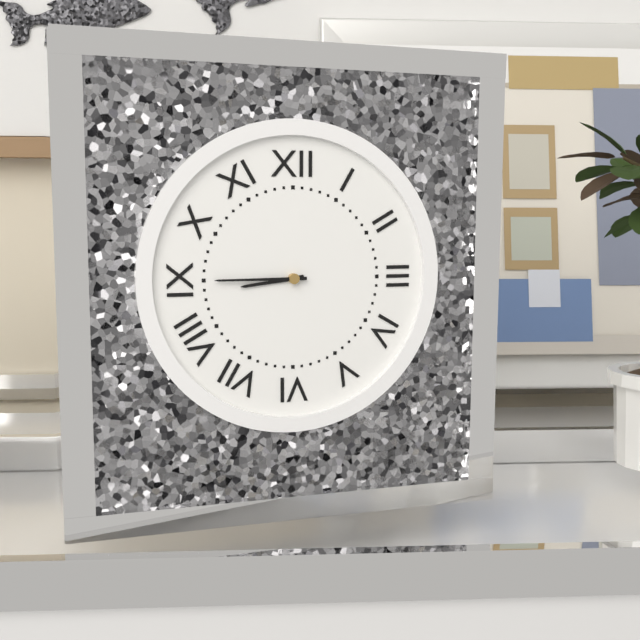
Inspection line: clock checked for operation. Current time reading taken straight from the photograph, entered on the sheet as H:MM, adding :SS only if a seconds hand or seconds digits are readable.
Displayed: 8:45
